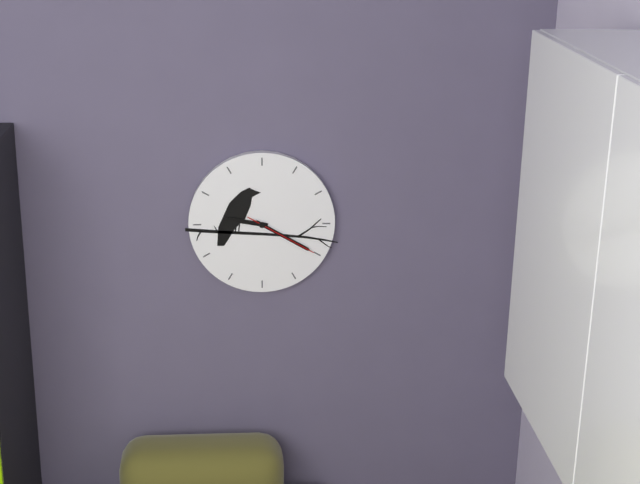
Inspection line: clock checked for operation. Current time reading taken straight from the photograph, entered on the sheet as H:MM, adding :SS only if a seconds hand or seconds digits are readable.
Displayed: 9:20:20
